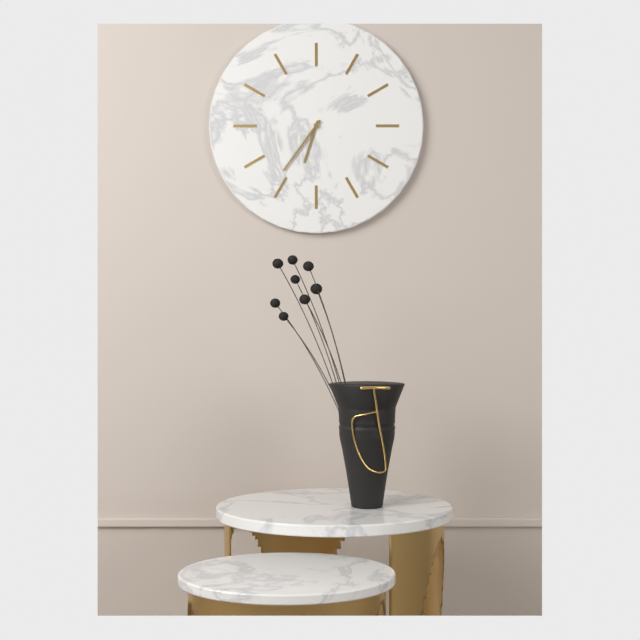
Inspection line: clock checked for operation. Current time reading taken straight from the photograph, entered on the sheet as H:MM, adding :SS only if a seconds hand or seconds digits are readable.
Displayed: 6:36
